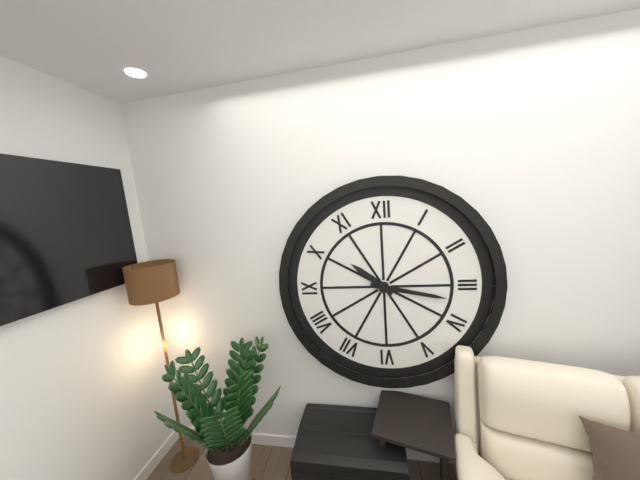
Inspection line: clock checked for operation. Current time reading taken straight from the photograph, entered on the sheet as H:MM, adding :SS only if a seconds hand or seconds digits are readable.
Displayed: 10:17
